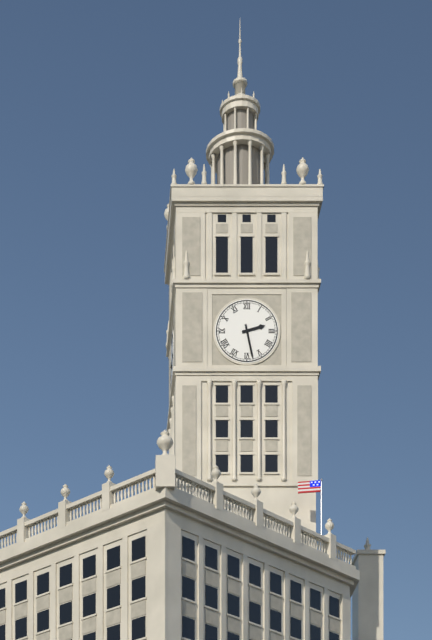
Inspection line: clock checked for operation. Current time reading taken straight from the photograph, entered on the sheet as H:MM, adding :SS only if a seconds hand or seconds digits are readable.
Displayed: 2:28
